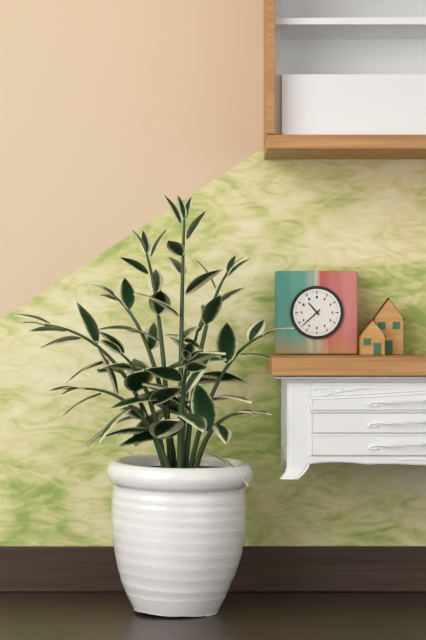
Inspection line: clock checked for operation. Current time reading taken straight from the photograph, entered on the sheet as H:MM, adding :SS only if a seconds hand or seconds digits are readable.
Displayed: 10:38
